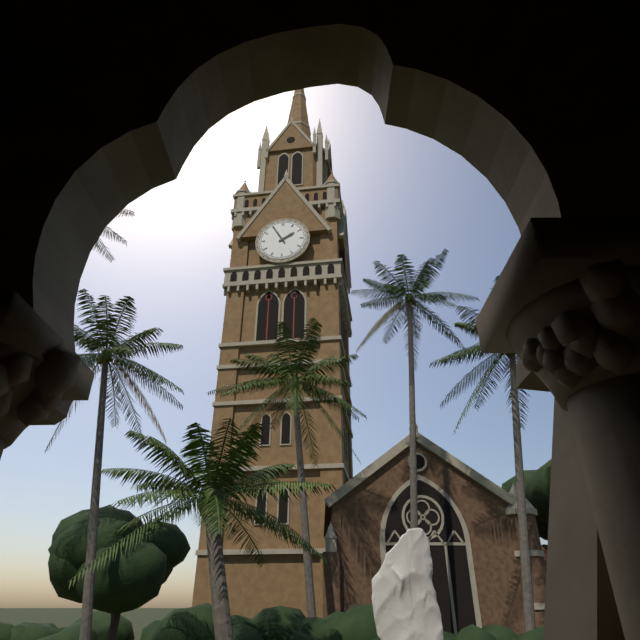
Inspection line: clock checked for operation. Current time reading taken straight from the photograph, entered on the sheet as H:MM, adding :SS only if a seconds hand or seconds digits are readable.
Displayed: 1:55
